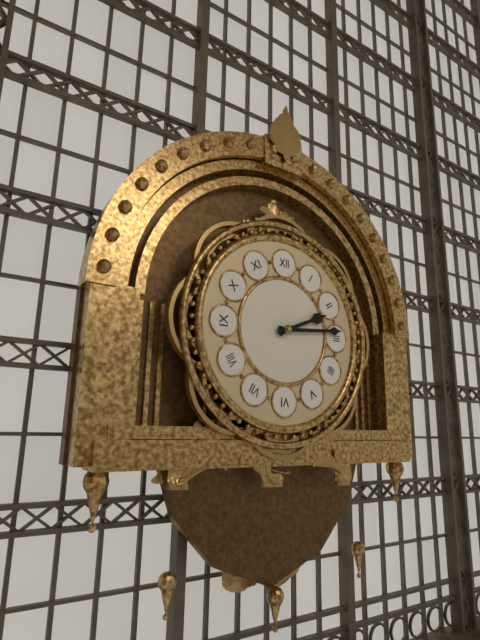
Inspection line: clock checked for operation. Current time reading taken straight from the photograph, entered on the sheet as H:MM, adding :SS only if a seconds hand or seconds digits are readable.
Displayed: 2:14
